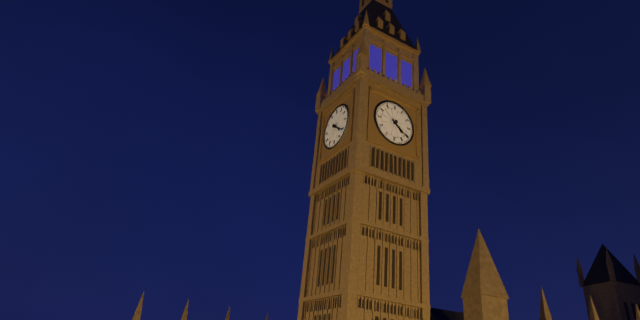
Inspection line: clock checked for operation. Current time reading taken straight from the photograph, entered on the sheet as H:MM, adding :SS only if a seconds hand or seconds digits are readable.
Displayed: 4:21
